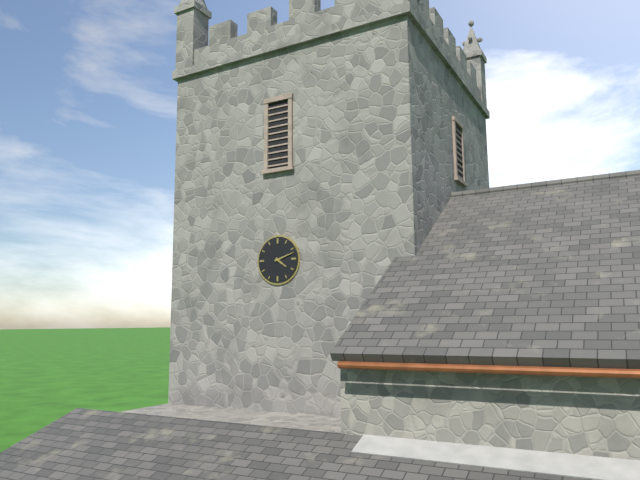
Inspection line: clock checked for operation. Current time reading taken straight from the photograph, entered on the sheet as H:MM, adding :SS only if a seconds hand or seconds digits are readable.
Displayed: 4:12
